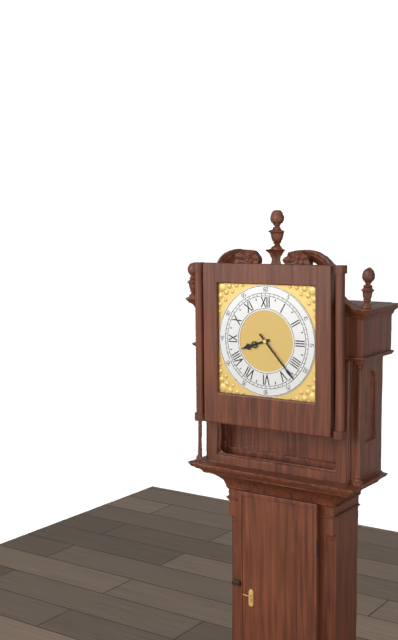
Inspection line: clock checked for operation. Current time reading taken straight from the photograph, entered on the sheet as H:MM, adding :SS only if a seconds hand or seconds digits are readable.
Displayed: 8:23
